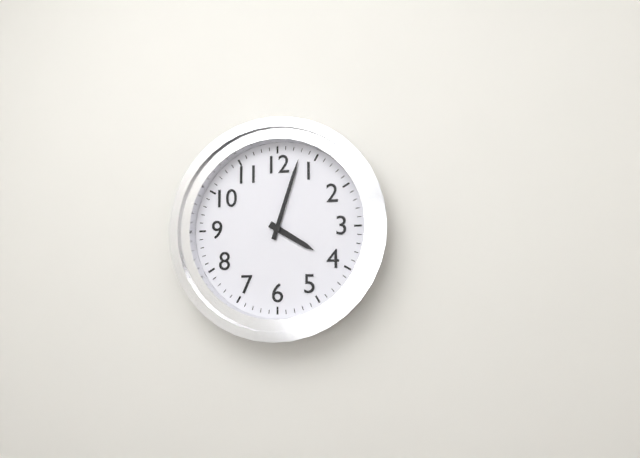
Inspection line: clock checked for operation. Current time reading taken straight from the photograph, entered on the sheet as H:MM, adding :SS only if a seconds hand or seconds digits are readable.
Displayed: 4:03
